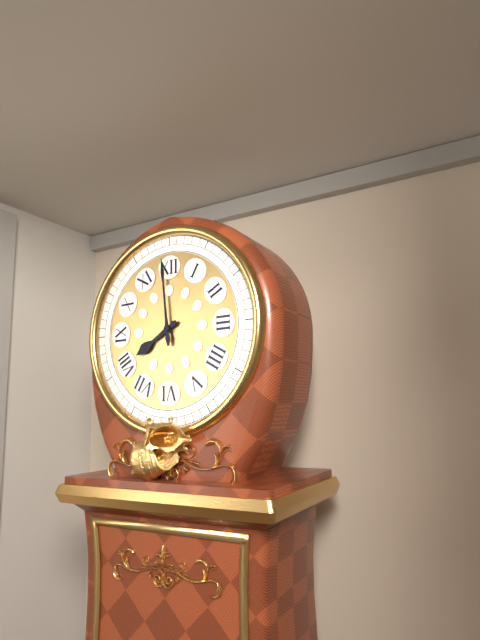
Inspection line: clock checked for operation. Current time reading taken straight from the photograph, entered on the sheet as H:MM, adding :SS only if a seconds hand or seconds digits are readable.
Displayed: 7:59
